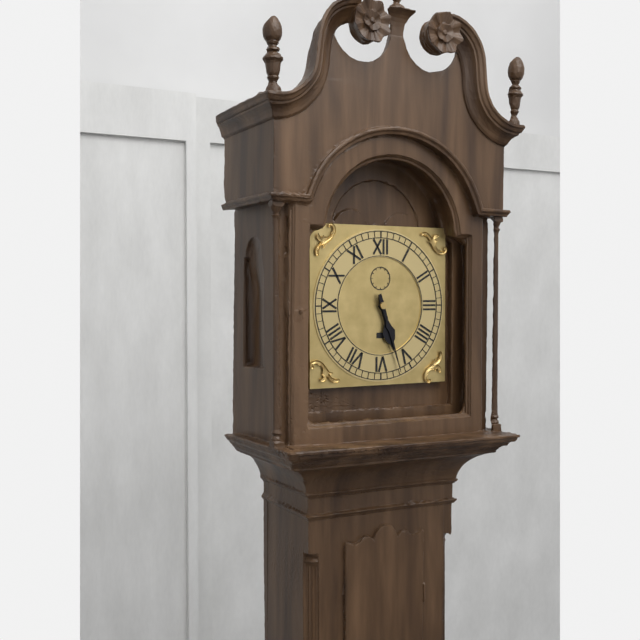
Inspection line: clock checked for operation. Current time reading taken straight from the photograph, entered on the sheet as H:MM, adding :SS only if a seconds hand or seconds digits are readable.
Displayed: 5:27
